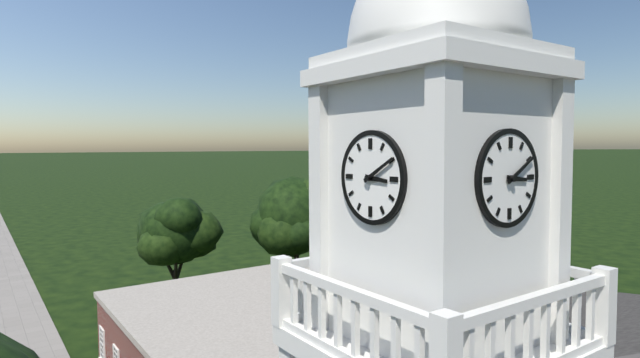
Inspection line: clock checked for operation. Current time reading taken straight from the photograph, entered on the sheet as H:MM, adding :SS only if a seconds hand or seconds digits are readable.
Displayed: 3:10
